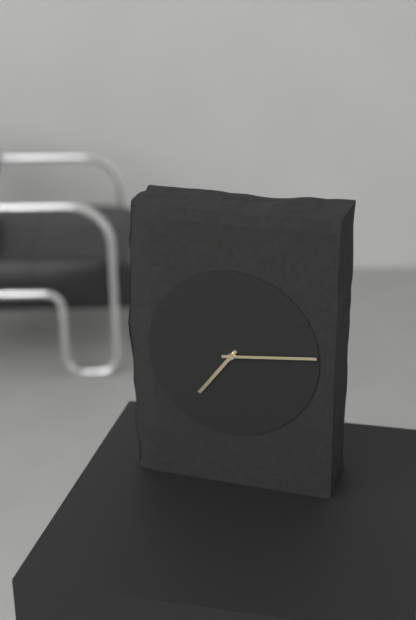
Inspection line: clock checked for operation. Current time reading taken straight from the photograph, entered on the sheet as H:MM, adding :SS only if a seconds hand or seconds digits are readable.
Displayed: 7:14
